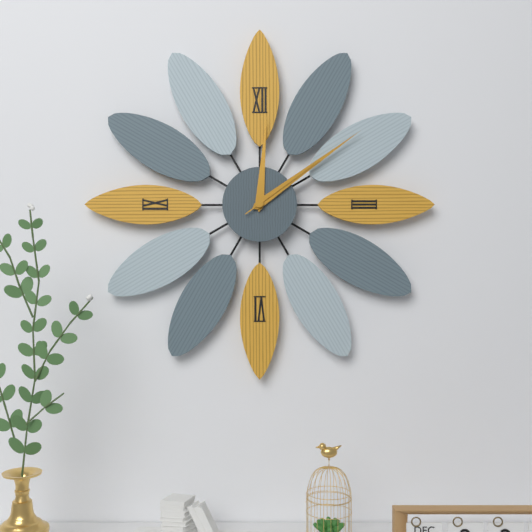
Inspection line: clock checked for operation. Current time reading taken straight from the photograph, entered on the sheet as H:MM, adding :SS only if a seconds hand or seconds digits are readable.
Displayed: 12:09:09
